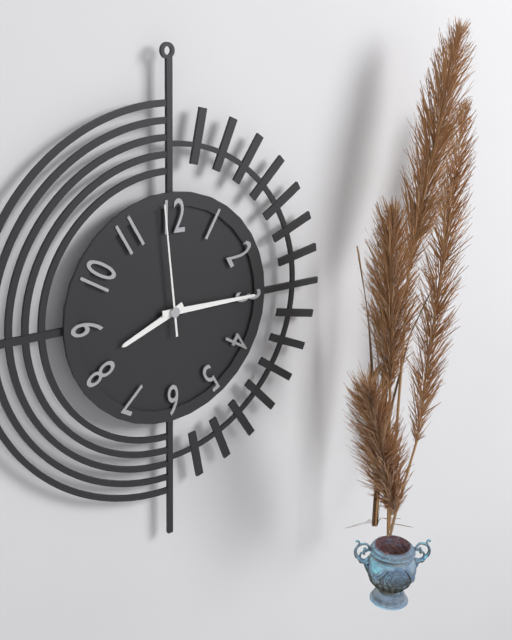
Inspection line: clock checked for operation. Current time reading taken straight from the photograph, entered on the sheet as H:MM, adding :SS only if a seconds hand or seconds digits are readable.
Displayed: 8:15:59
